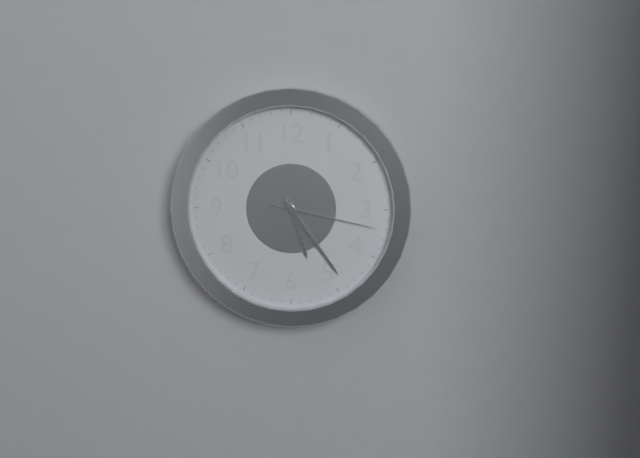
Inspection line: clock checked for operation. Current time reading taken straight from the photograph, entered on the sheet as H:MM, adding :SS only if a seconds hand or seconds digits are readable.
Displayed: 5:24:17
